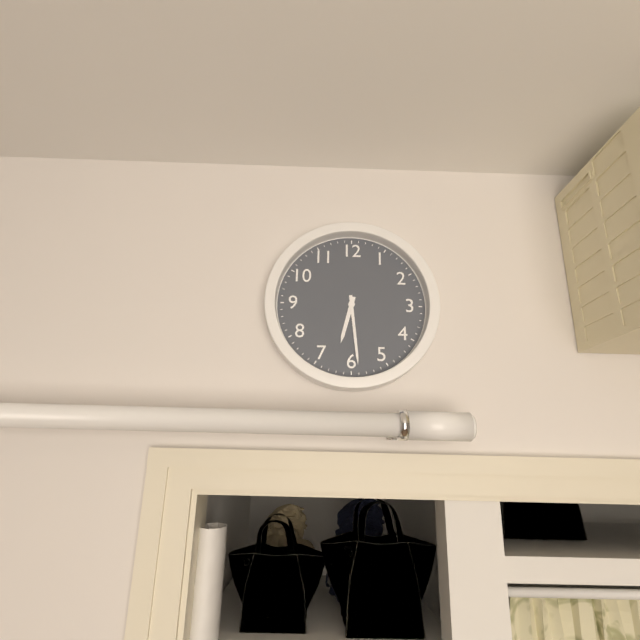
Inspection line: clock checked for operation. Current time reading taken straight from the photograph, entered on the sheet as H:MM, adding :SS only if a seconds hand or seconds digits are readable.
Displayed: 6:29
